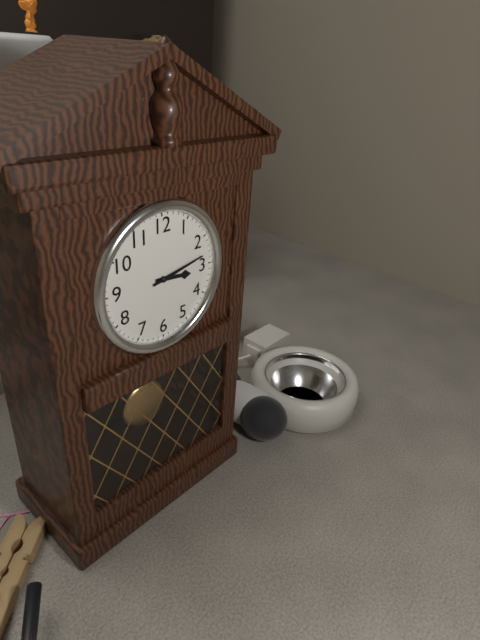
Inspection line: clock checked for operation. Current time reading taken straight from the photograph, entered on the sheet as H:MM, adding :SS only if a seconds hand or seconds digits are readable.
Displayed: 3:13
